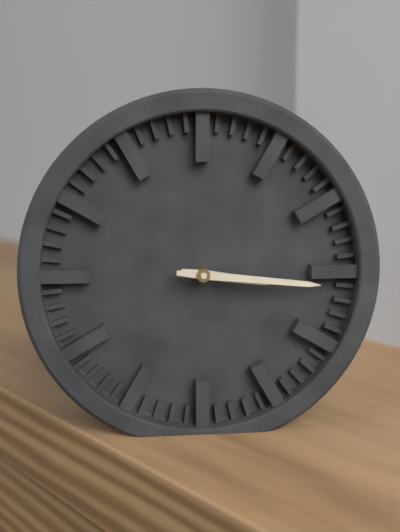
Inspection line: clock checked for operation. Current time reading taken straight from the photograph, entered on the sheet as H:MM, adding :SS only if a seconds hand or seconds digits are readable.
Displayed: 3:16
